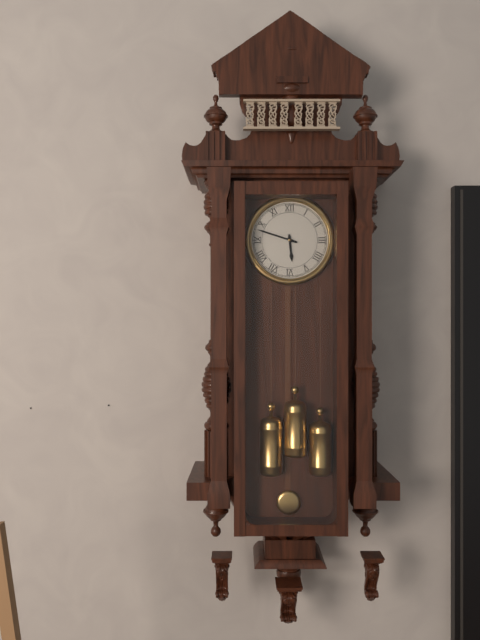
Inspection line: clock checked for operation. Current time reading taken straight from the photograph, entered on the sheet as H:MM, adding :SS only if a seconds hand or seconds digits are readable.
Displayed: 5:48
